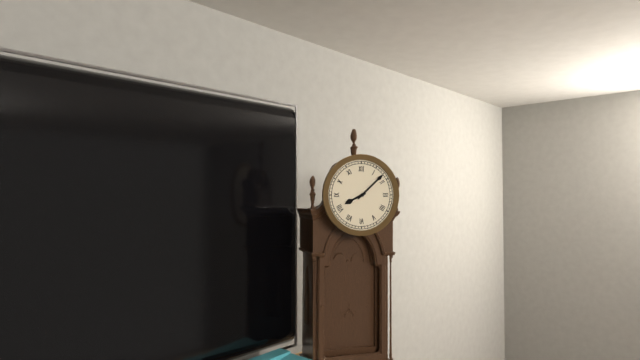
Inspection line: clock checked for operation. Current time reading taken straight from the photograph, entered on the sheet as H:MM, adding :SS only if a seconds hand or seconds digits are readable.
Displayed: 8:08
